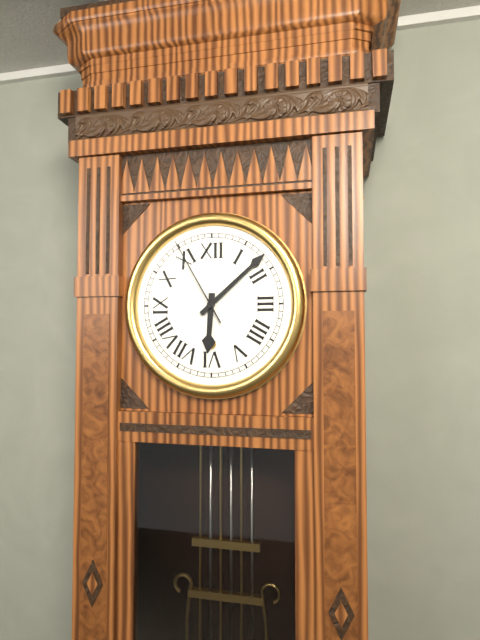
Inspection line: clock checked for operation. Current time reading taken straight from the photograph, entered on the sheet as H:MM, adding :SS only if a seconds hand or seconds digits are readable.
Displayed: 6:08:55
